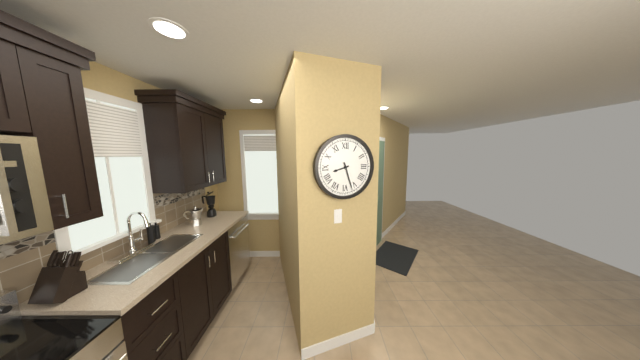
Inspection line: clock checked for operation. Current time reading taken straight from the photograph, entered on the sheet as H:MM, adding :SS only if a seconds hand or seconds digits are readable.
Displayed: 8:27
